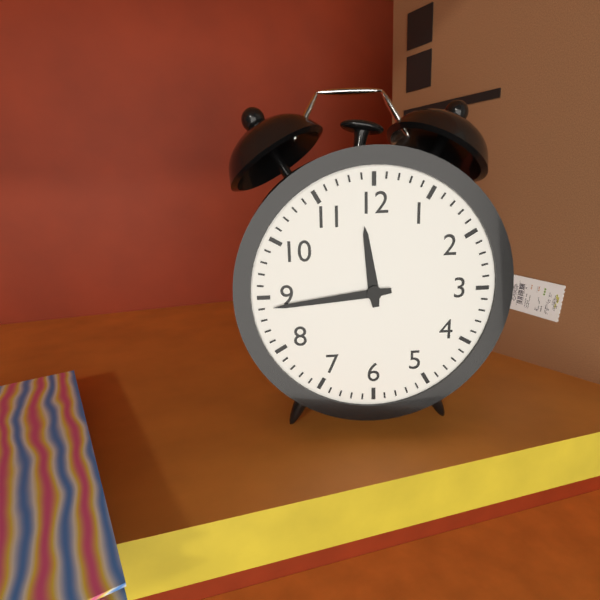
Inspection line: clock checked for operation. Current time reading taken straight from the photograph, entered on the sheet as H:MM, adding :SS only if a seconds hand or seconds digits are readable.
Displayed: 11:44
